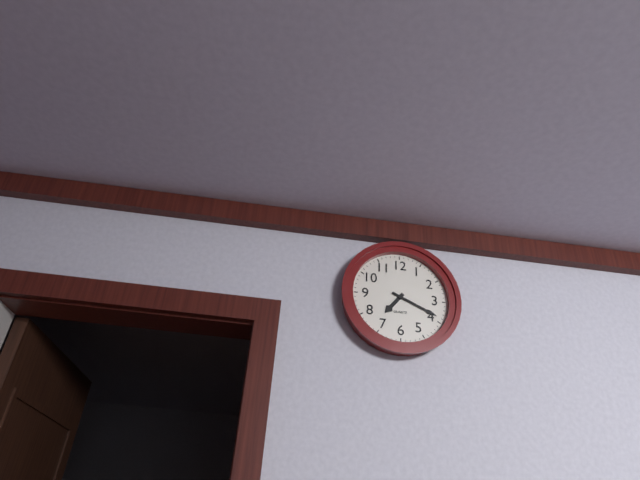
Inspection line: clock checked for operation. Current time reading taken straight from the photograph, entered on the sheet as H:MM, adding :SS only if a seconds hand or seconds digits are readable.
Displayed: 7:19
